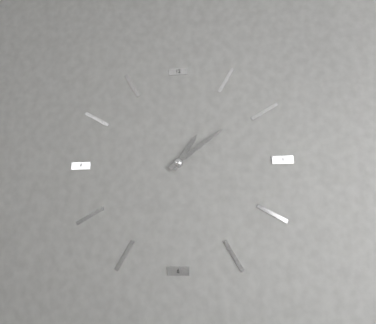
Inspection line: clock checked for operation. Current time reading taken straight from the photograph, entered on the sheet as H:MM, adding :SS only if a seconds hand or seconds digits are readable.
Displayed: 1:09
